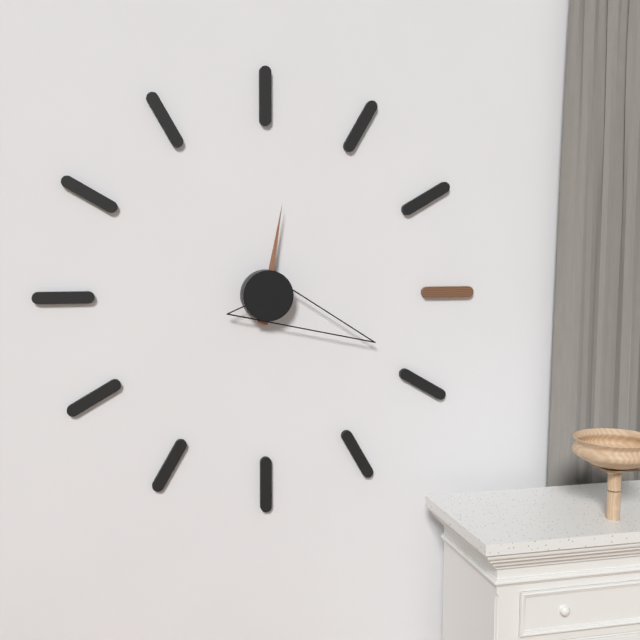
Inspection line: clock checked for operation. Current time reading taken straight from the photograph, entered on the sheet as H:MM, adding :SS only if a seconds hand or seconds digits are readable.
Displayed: 12:19
